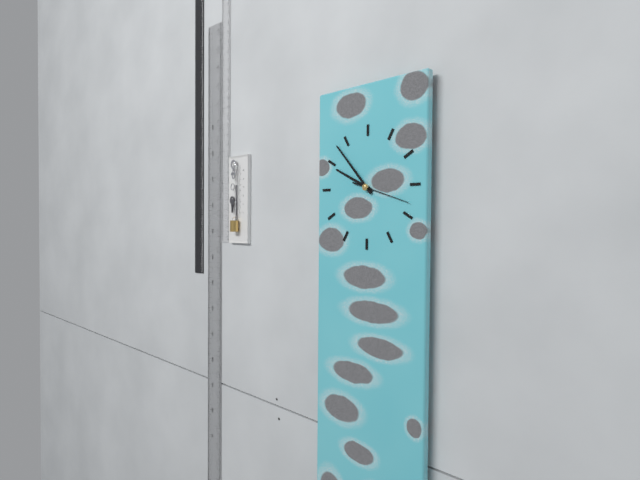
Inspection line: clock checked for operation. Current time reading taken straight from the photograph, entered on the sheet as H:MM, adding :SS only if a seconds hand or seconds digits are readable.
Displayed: 9:53:18
